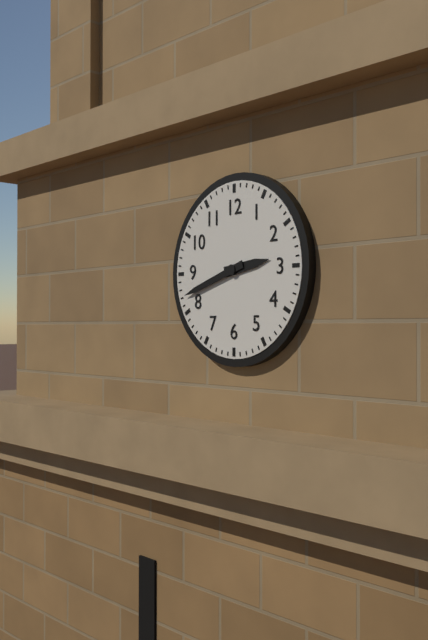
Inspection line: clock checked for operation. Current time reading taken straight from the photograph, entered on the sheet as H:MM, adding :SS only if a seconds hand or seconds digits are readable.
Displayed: 2:42
